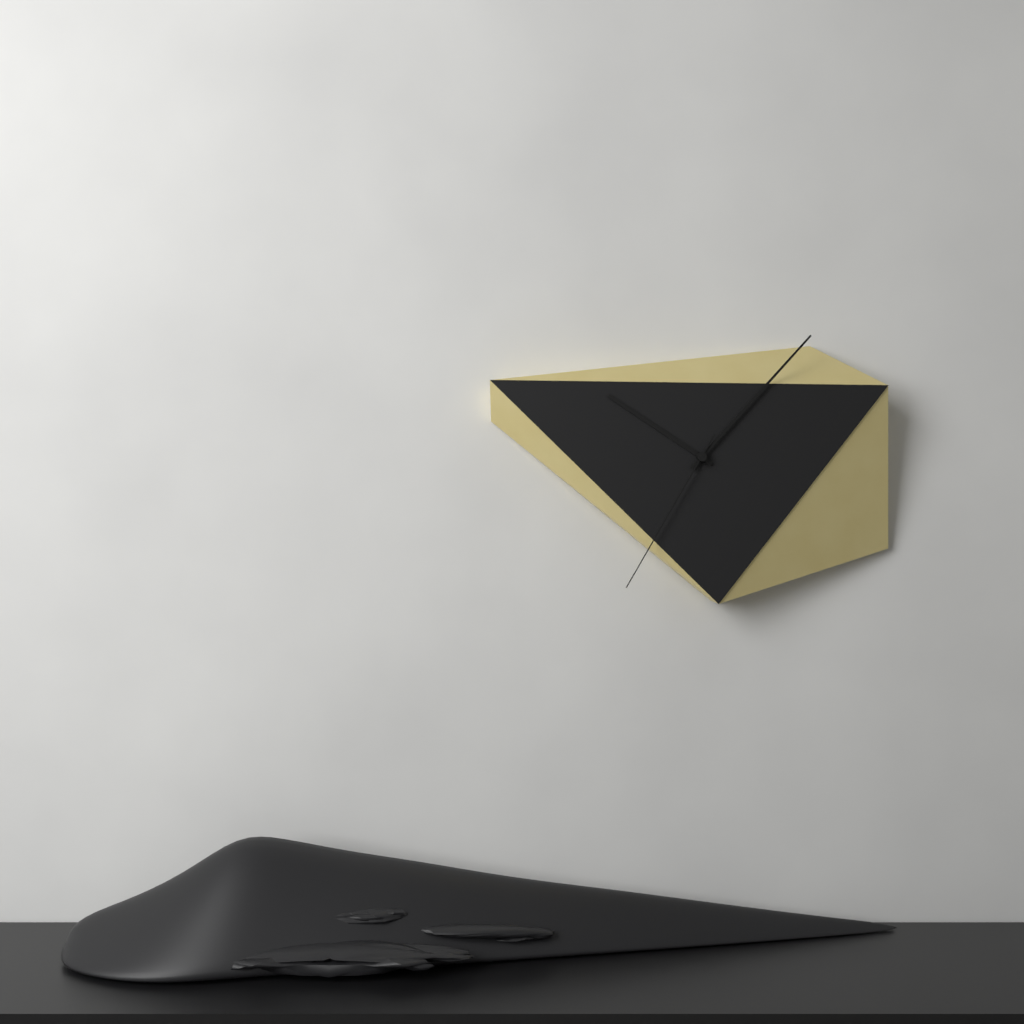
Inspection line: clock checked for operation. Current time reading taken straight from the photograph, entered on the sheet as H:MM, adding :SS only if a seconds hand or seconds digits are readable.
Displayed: 10:07:35
